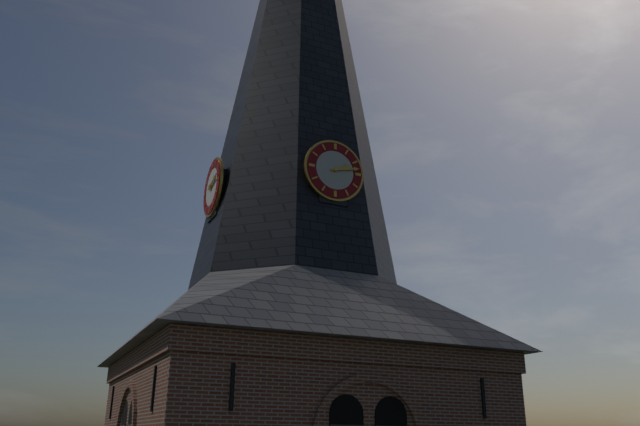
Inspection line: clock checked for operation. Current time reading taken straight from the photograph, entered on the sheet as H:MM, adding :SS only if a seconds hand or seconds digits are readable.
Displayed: 2:13
